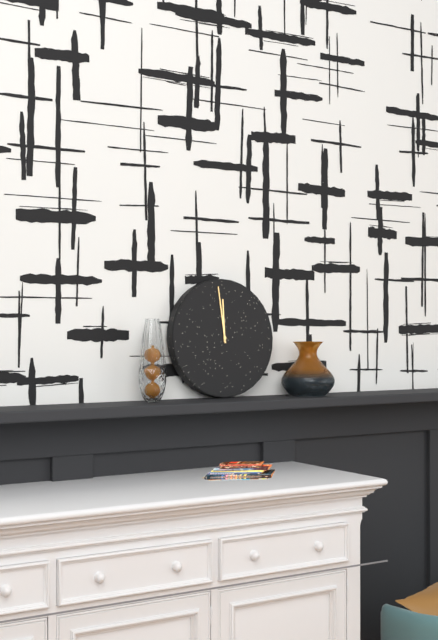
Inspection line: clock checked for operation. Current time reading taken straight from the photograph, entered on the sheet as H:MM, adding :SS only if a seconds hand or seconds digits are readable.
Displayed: 11:59
